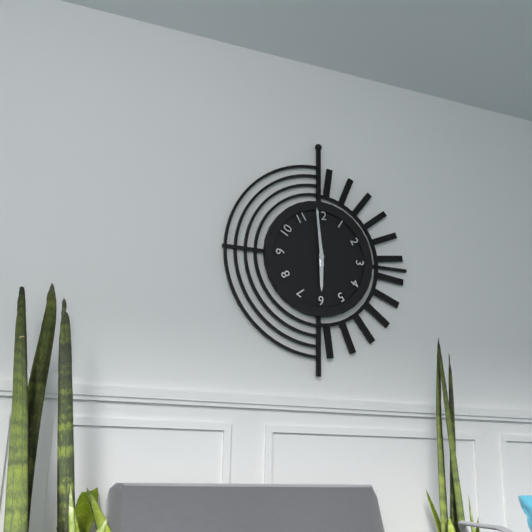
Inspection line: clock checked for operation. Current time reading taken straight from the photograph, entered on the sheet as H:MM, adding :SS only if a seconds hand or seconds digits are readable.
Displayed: 5:59
